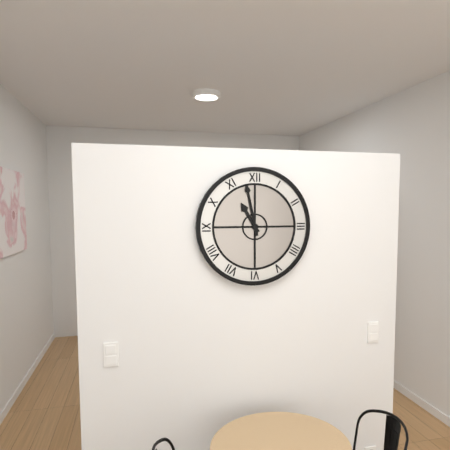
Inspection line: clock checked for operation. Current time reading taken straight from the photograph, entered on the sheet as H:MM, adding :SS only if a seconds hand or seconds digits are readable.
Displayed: 10:58
